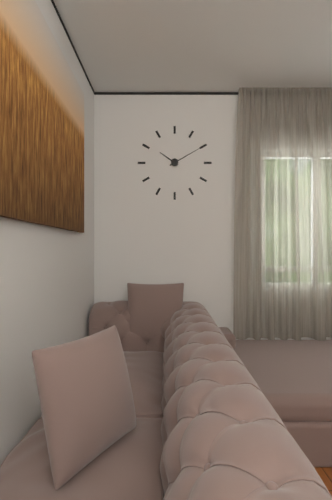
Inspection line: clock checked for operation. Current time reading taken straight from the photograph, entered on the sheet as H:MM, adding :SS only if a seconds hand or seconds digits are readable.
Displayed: 10:10
